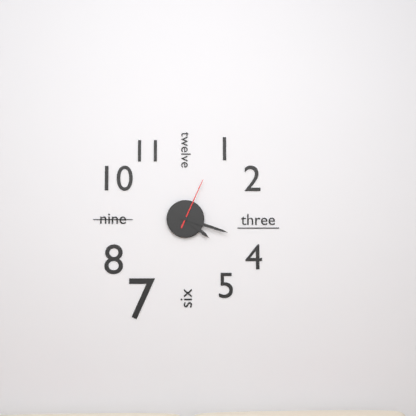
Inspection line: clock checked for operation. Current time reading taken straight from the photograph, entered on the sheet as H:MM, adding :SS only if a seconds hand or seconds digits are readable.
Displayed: 4:18:04
